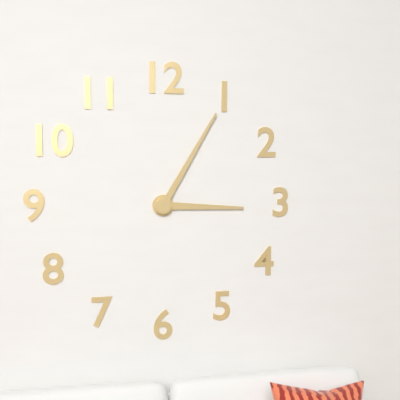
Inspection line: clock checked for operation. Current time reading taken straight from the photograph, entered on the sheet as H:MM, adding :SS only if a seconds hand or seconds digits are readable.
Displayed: 3:05
